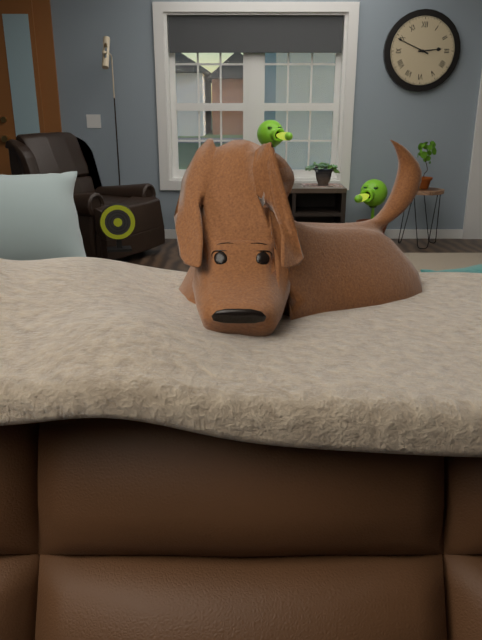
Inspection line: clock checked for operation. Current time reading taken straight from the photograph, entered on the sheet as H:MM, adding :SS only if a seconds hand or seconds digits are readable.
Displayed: 2:49
